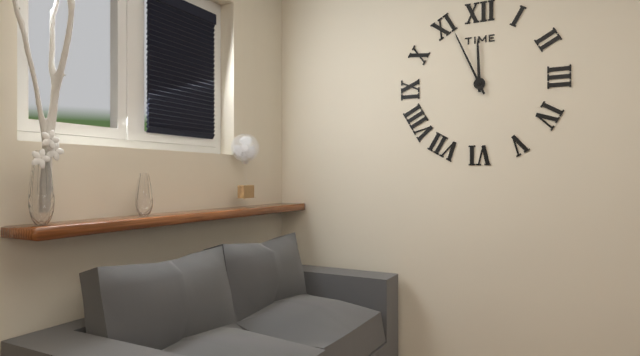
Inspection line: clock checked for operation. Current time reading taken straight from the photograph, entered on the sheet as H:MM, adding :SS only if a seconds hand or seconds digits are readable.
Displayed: 11:56
